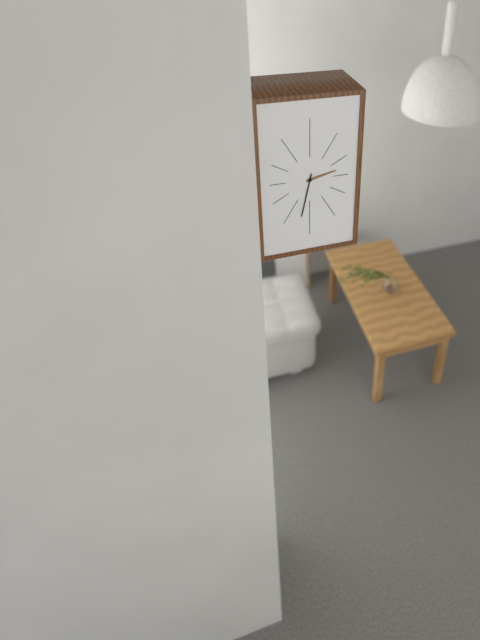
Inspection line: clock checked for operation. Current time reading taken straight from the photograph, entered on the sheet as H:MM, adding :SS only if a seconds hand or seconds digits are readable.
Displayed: 2:32
